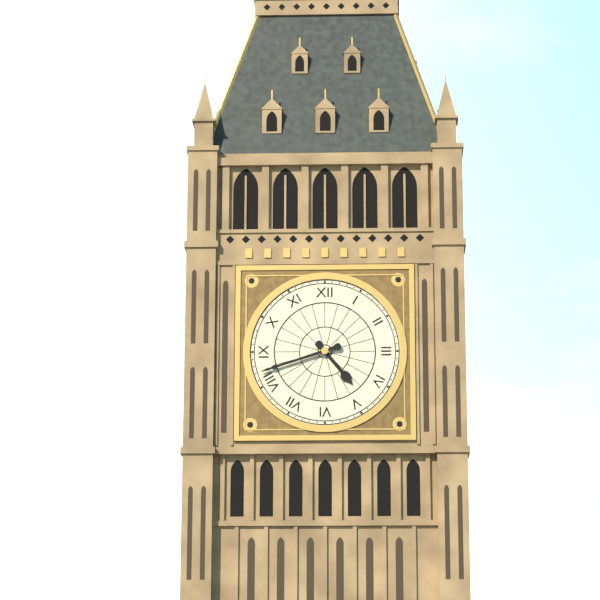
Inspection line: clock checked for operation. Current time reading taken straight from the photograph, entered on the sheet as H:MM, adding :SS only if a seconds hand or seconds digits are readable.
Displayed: 4:42
